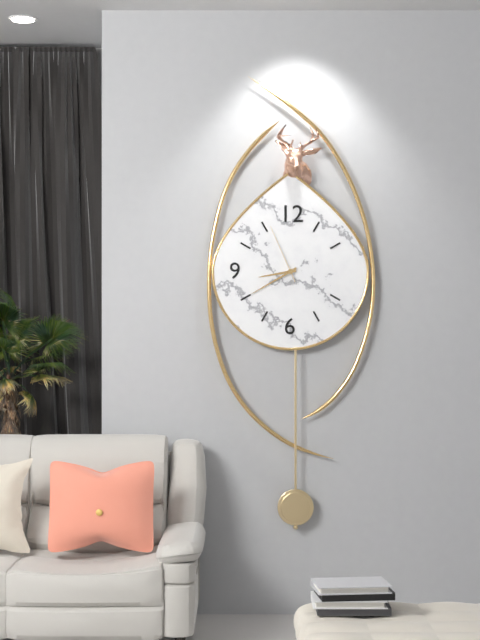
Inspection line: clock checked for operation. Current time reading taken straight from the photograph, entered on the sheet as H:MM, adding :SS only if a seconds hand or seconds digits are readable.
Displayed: 8:40:56
